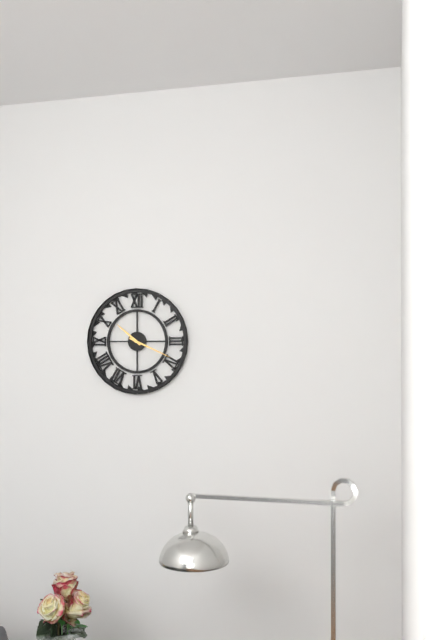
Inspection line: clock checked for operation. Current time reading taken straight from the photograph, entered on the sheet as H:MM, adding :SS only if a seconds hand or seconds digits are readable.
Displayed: 10:19
